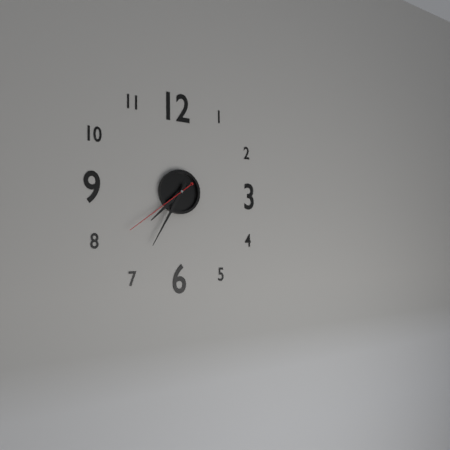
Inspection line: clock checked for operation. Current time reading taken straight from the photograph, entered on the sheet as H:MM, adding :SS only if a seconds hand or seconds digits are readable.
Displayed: 7:35:39
